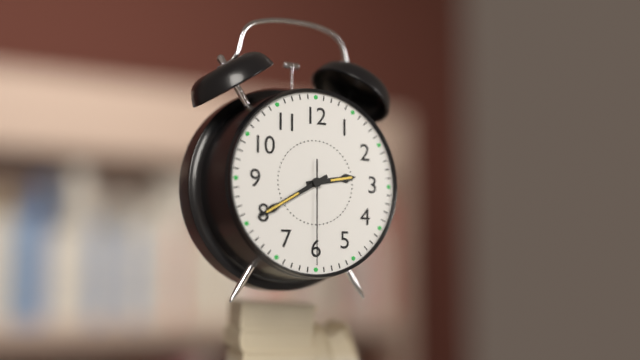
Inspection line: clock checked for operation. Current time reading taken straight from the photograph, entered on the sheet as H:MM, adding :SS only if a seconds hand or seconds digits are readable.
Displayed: 2:40:30
